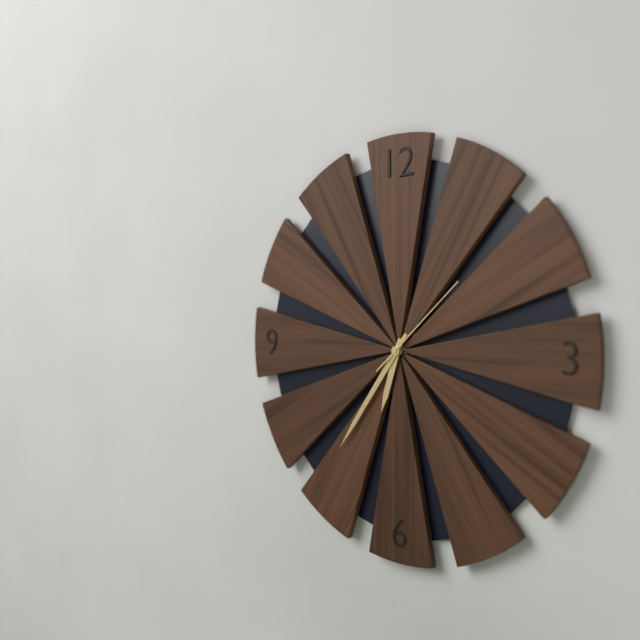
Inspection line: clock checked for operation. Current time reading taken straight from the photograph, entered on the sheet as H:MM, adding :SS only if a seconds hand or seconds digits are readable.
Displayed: 6:36:08
